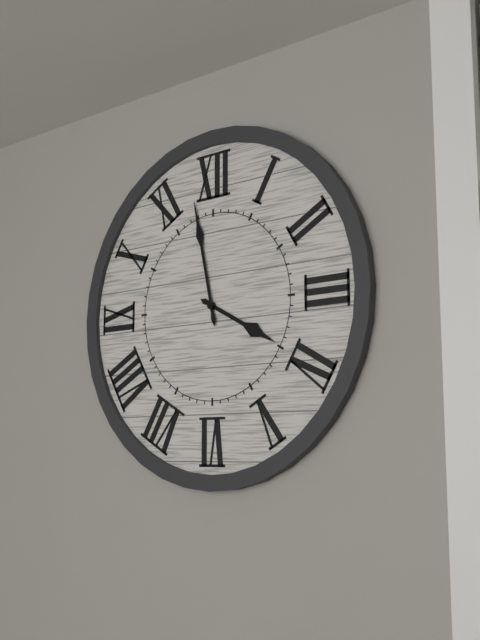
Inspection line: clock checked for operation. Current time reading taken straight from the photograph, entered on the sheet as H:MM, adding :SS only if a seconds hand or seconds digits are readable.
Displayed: 3:58
